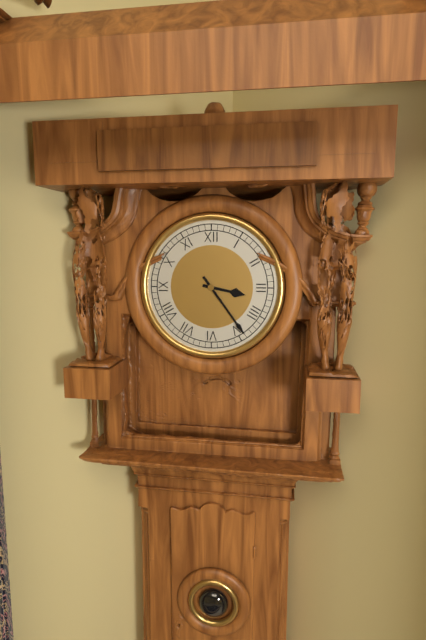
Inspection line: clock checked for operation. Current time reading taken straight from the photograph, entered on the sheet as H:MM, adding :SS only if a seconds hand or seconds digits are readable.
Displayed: 3:24
